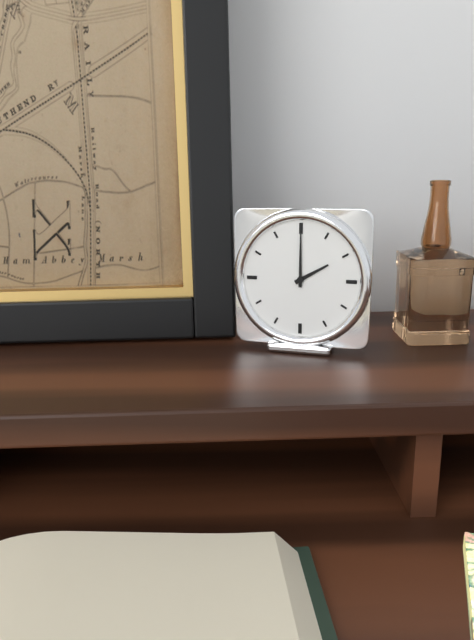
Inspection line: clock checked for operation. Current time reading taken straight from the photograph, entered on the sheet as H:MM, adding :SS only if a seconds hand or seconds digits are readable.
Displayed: 2:00
